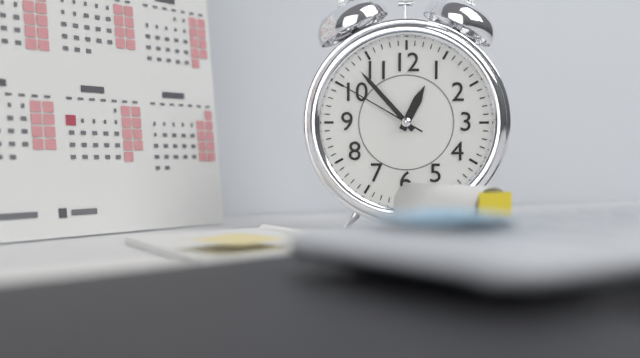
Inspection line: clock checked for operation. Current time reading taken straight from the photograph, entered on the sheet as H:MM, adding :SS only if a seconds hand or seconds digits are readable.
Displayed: 12:53:50
